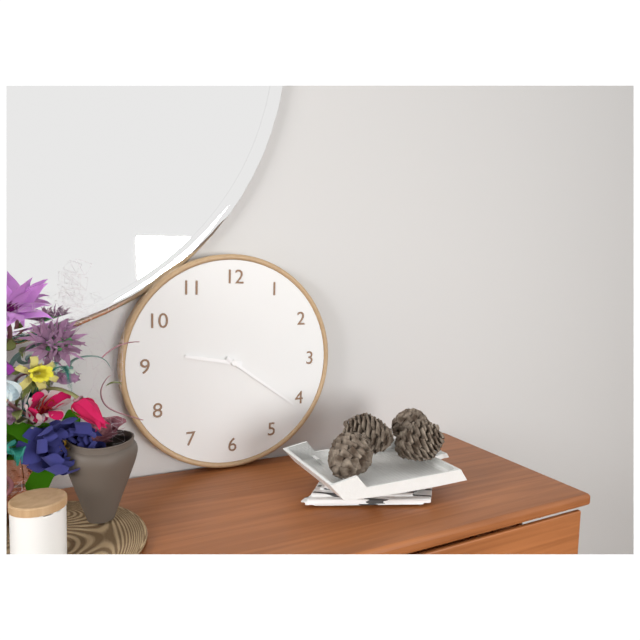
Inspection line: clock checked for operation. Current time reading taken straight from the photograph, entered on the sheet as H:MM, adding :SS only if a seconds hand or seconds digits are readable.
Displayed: 9:21
